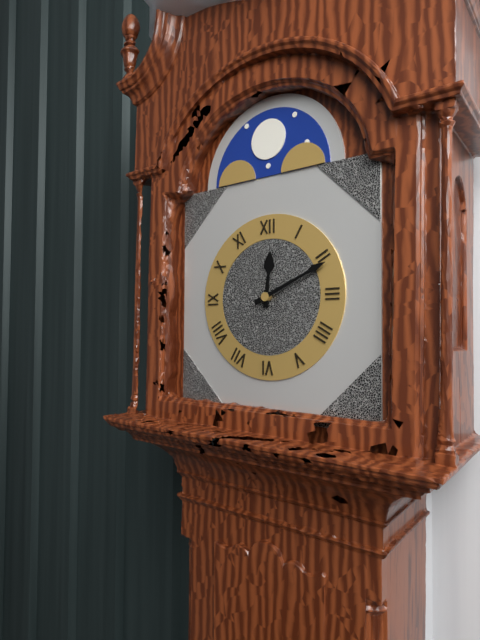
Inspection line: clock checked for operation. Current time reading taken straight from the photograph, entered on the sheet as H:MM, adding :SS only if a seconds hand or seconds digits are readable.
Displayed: 12:11
